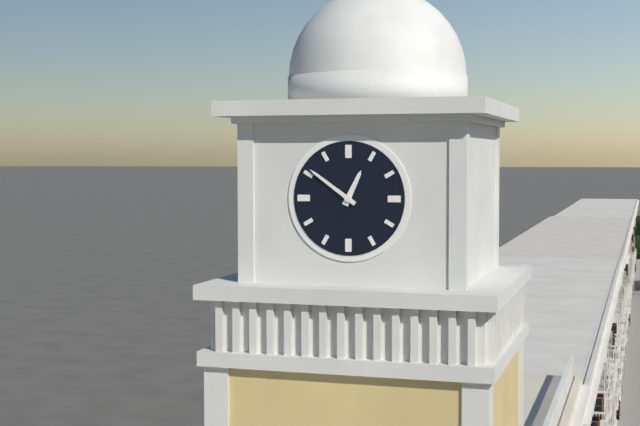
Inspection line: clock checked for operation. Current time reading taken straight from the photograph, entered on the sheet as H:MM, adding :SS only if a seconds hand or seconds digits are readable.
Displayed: 12:51
